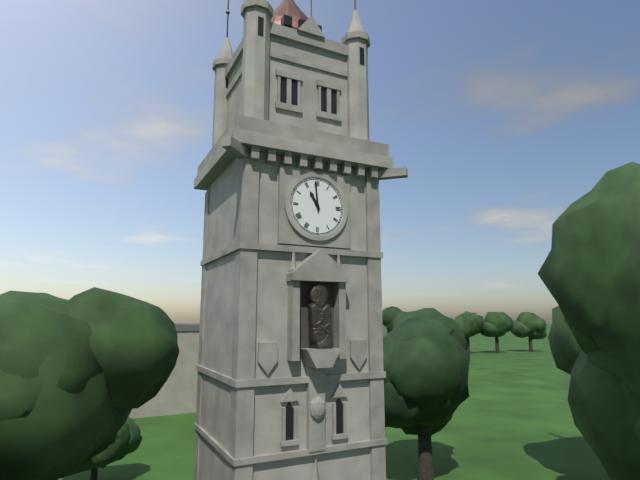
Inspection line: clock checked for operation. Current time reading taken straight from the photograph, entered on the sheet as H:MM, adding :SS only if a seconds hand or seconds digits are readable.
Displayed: 10:59
